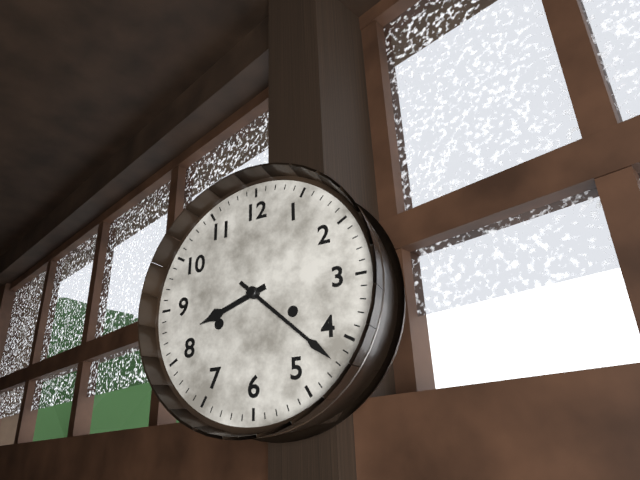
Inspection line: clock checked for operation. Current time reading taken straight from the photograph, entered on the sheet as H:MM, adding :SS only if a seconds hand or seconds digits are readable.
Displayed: 8:22
